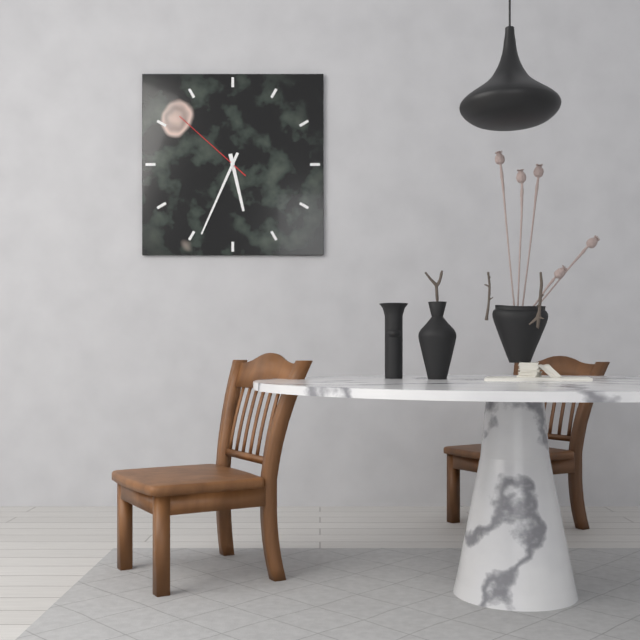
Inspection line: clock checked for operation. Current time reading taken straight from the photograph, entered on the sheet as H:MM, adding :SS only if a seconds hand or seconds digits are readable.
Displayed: 5:34:52
